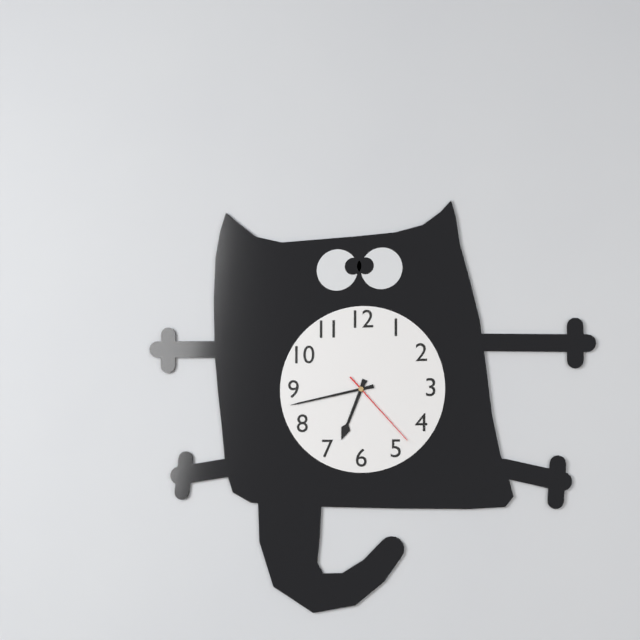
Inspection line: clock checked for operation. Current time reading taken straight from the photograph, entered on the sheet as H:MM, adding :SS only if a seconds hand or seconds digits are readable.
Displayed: 6:43:23
